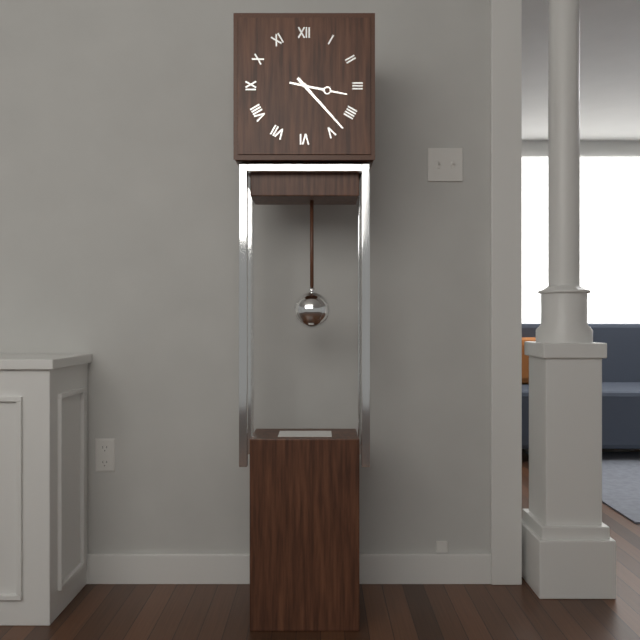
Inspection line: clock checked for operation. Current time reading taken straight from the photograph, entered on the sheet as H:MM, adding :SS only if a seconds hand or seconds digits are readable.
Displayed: 3:23
